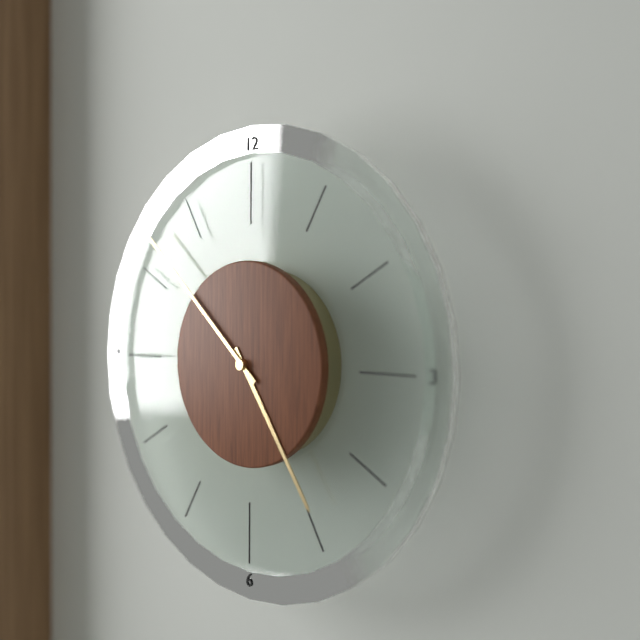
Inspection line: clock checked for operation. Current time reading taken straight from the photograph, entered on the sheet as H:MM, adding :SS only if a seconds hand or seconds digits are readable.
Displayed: 4:52
